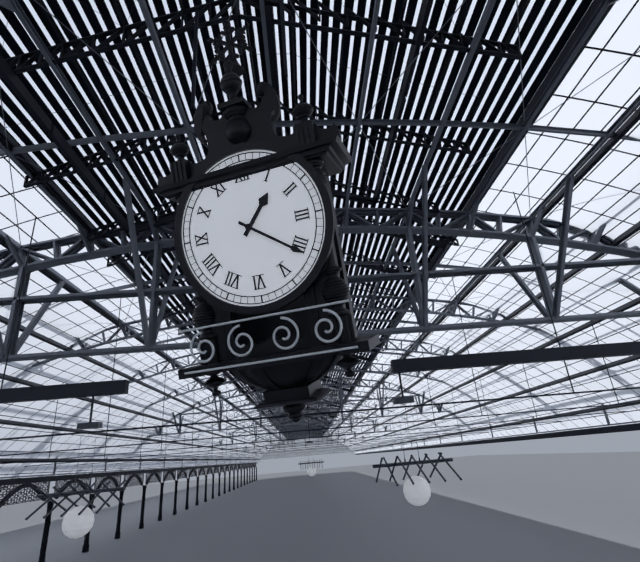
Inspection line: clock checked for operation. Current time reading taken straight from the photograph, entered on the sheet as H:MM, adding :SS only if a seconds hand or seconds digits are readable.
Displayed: 1:21
